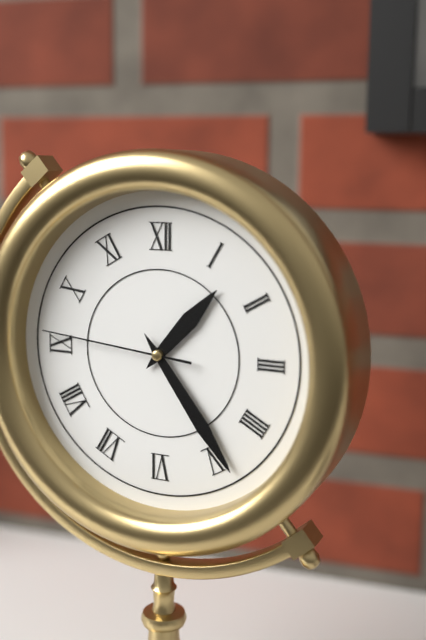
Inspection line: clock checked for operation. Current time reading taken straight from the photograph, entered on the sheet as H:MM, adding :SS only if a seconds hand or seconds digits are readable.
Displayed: 1:24:46
